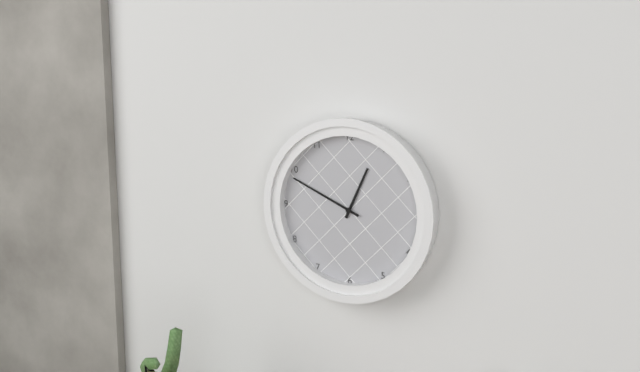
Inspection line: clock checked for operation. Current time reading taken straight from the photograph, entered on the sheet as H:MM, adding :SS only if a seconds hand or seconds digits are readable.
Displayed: 12:49
